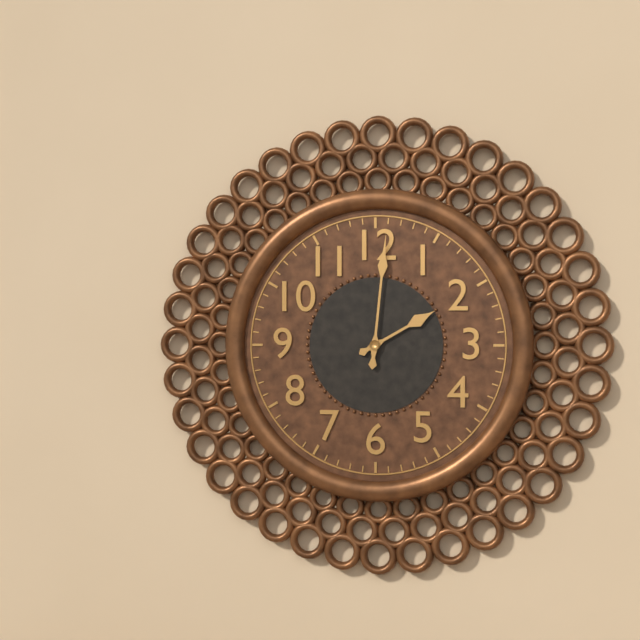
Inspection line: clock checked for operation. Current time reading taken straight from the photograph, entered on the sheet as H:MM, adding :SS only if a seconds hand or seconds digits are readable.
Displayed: 2:01
